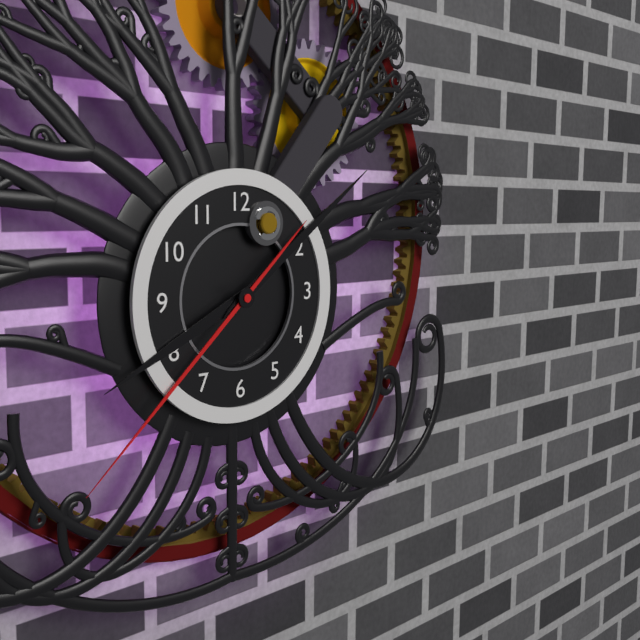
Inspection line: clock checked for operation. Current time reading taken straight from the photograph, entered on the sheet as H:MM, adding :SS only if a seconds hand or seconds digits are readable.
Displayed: 8:09:38
